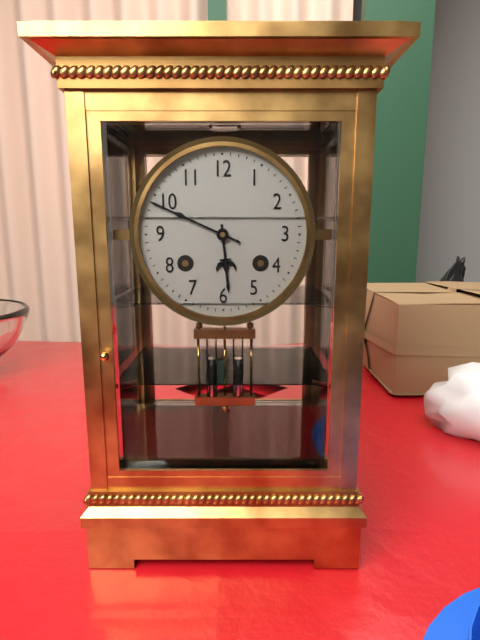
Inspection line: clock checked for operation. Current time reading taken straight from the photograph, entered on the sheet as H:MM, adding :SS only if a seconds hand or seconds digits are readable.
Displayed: 5:49
